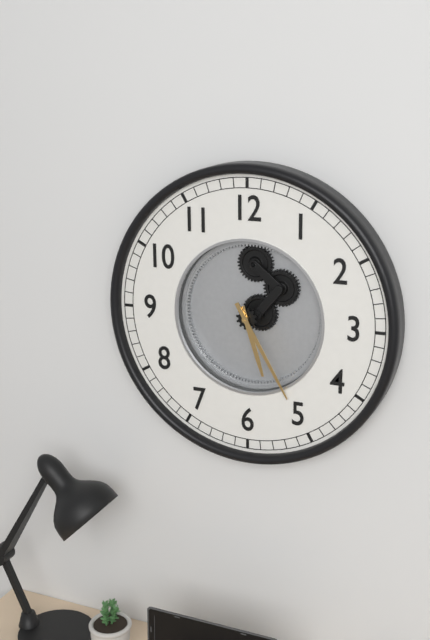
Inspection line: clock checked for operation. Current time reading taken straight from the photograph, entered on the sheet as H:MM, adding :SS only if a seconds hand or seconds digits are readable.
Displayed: 5:25
